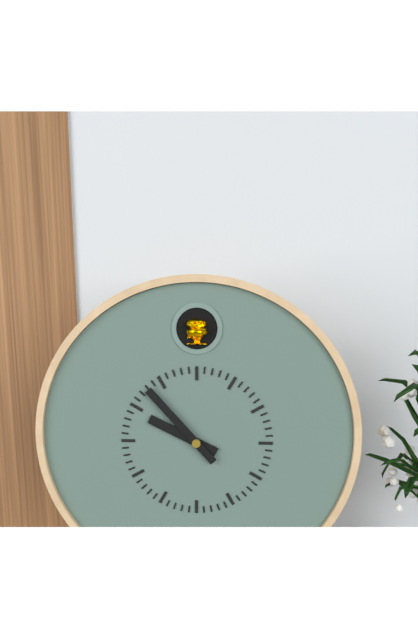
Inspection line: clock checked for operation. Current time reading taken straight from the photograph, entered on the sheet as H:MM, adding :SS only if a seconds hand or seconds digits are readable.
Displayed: 9:53
